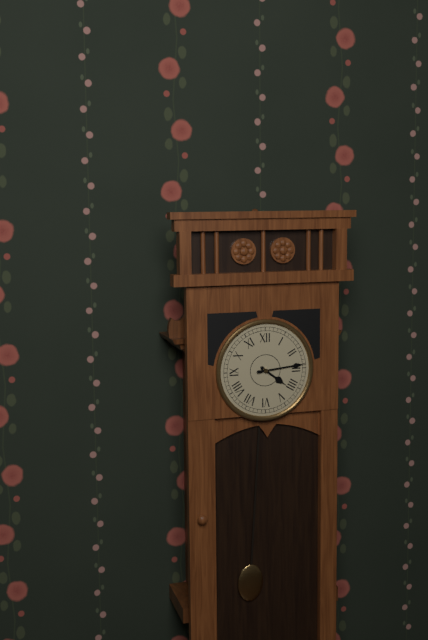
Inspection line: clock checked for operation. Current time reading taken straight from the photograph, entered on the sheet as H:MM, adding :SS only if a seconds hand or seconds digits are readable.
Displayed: 4:14
